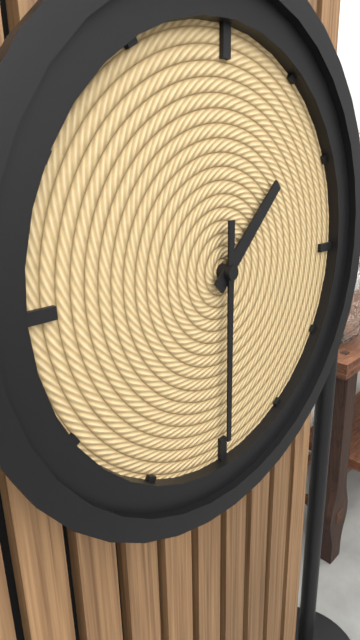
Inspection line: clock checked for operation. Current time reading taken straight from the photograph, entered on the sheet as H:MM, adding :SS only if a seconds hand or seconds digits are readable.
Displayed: 1:30
